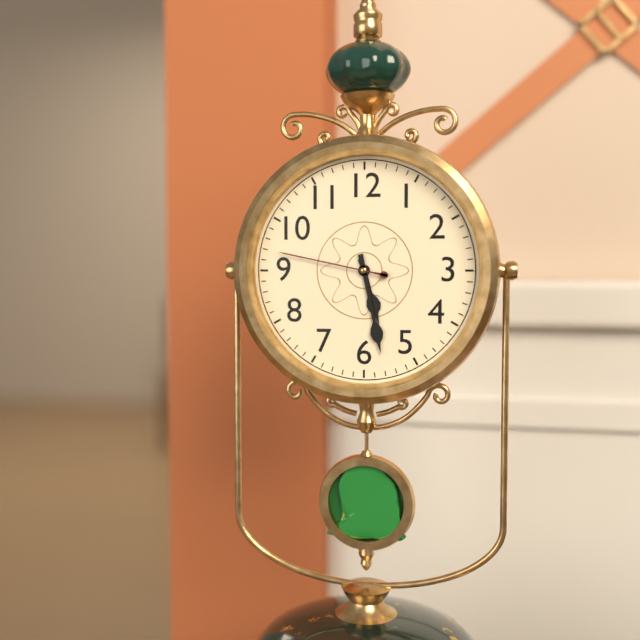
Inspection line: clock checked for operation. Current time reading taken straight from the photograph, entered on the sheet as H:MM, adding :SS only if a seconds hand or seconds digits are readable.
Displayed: 5:28:47
